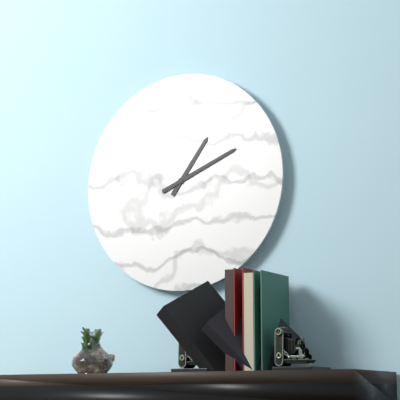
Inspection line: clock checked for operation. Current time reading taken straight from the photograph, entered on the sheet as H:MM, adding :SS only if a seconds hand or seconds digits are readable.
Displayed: 1:11
